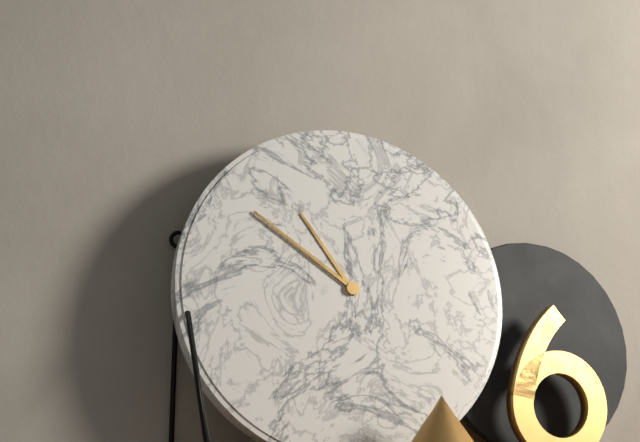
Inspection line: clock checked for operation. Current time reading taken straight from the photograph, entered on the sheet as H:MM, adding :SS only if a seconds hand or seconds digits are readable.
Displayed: 10:51
